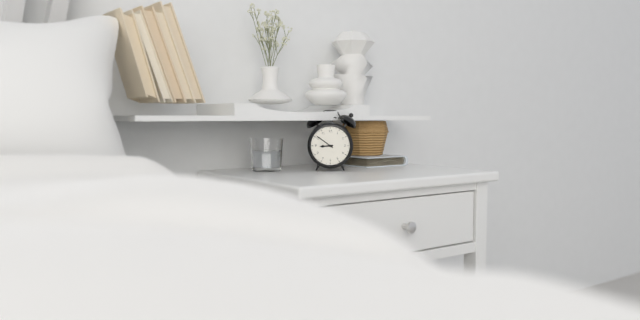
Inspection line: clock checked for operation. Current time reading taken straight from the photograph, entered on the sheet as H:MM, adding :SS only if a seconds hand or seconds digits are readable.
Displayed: 8:51
